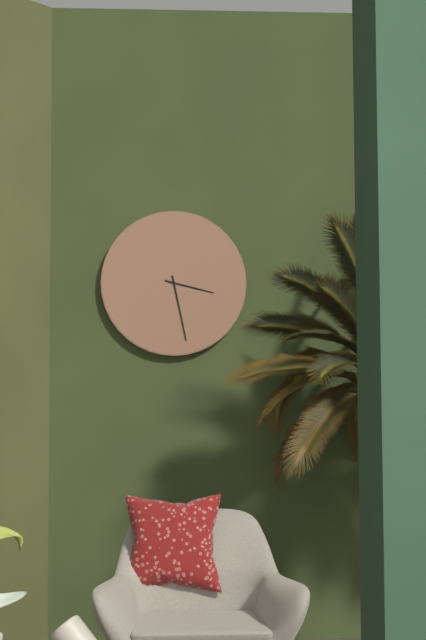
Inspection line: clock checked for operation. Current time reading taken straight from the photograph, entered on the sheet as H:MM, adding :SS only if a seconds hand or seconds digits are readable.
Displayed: 3:28
